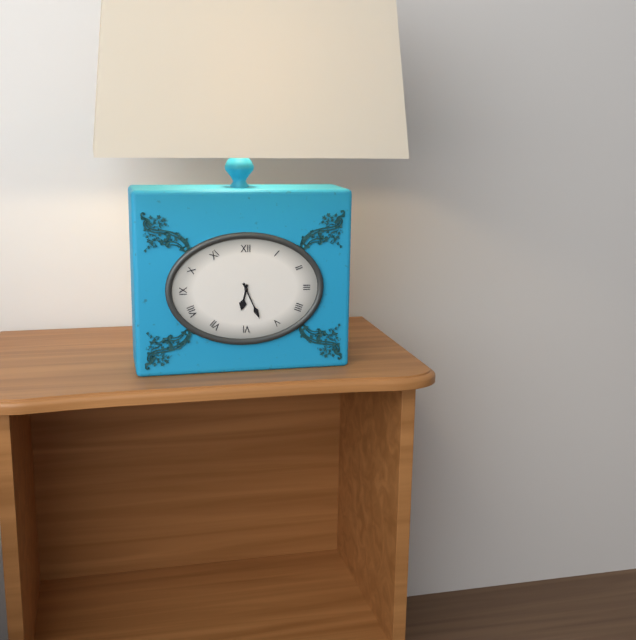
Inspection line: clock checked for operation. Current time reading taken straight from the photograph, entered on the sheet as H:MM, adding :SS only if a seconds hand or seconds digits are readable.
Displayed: 6:26
